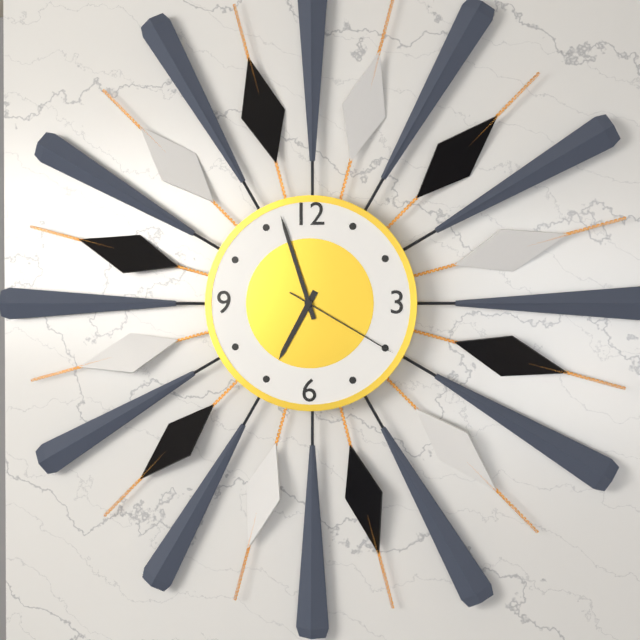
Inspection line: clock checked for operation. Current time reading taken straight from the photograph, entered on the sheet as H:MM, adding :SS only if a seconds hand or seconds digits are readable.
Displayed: 6:57:20
